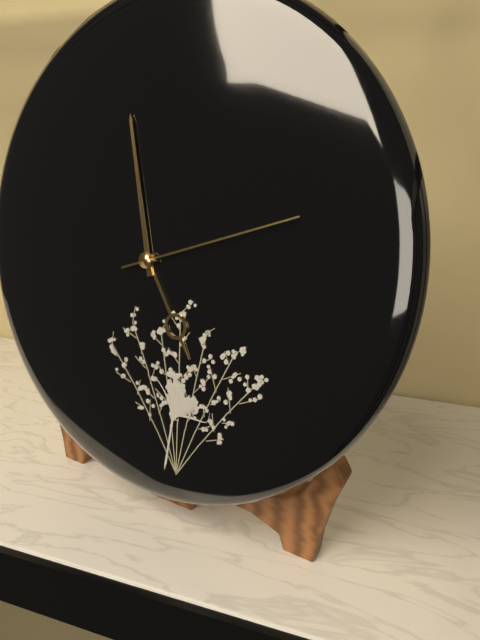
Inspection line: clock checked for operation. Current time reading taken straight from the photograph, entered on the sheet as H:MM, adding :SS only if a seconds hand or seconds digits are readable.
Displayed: 4:58:12
